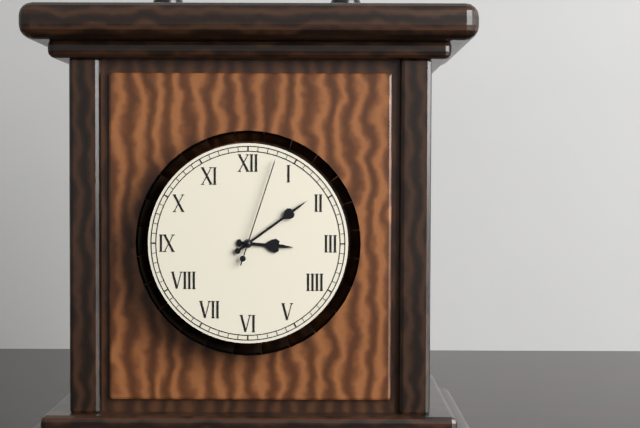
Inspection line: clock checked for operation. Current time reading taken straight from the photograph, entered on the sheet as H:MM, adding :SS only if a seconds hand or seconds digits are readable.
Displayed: 3:09:03
